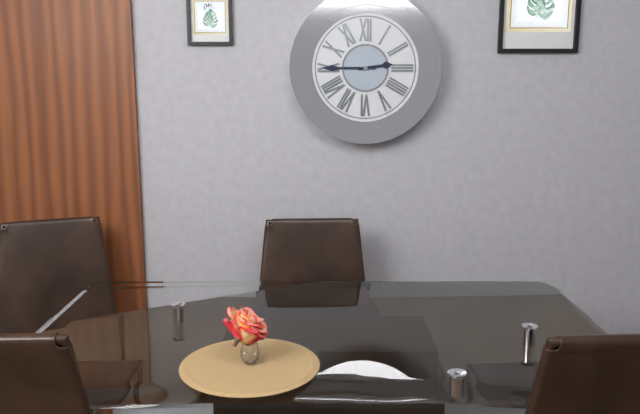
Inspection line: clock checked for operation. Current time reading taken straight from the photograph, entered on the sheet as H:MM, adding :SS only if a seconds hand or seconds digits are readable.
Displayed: 2:45
